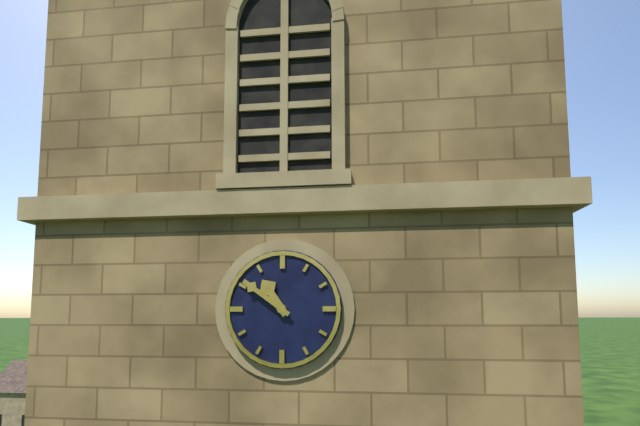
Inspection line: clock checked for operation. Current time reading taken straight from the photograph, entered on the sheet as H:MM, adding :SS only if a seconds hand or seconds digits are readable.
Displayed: 10:51
